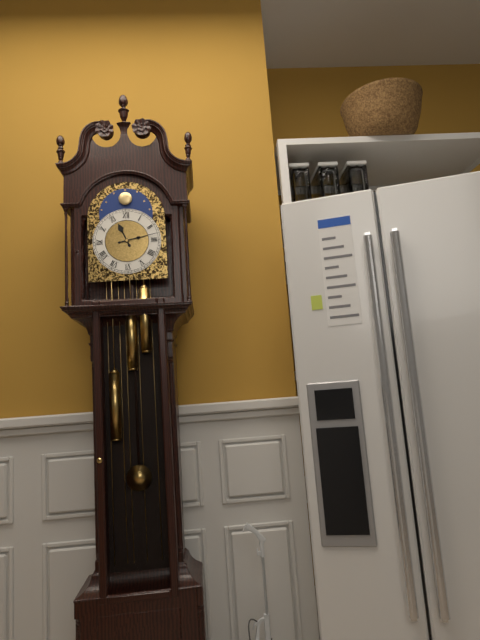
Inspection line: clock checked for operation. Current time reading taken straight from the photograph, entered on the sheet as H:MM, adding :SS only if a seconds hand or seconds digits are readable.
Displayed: 11:13
